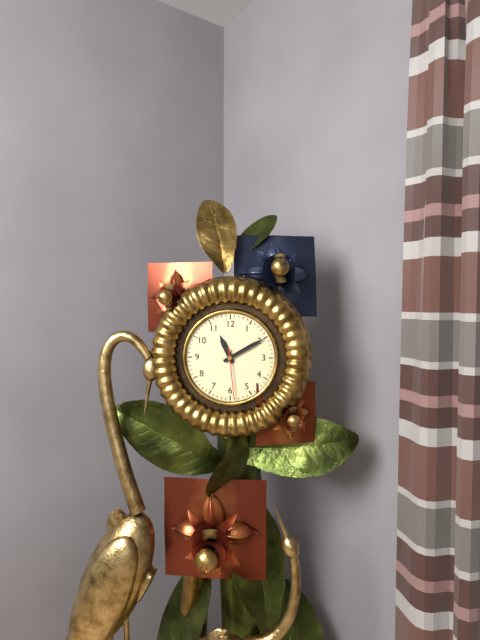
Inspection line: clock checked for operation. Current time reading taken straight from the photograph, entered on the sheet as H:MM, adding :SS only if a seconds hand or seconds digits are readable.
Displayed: 11:10:29
